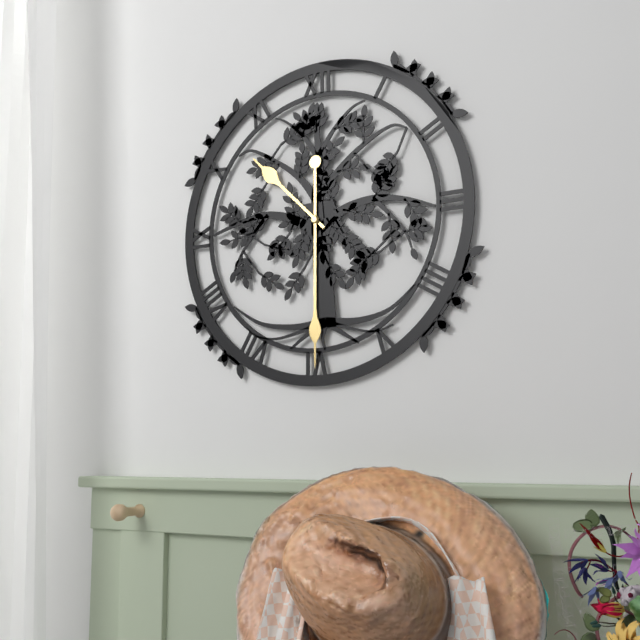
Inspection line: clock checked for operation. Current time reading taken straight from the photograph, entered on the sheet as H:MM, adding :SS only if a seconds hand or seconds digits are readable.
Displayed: 10:30
